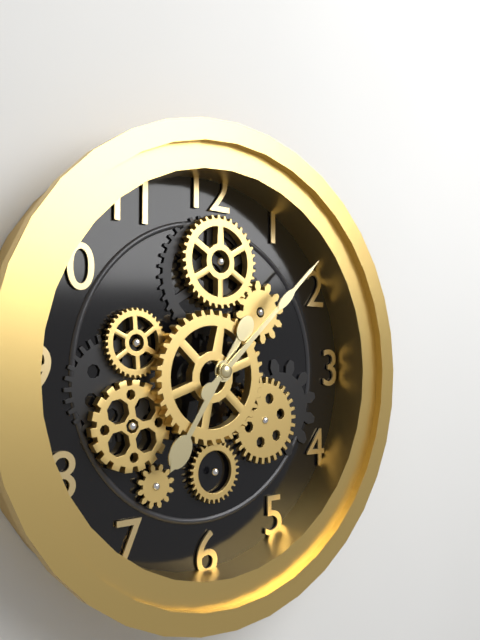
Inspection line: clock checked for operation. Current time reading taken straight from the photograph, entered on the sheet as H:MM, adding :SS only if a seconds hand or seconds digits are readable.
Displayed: 7:08
